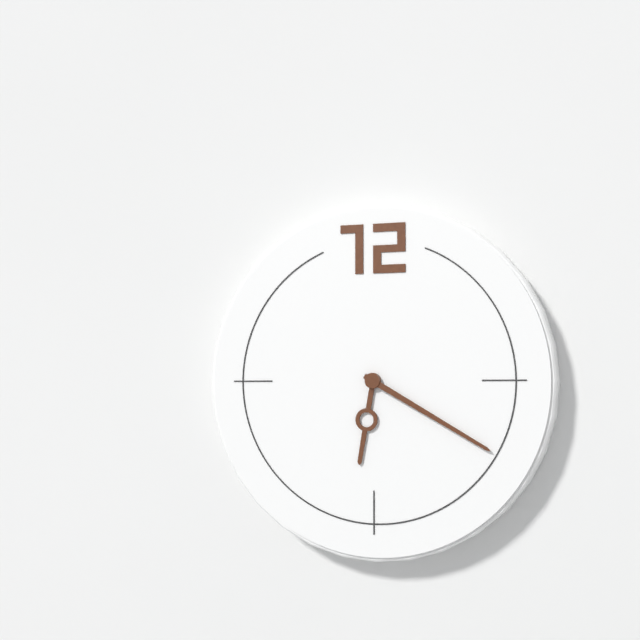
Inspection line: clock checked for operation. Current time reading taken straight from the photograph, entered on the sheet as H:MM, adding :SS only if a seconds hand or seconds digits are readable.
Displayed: 6:20
